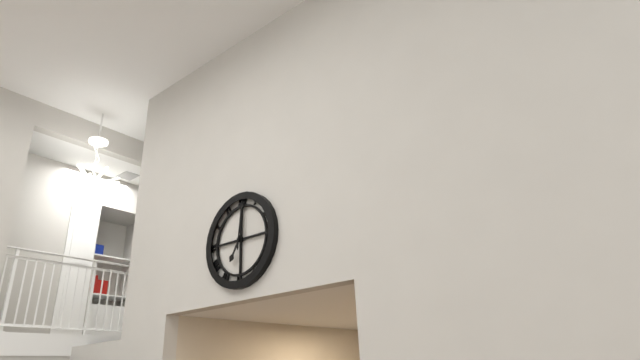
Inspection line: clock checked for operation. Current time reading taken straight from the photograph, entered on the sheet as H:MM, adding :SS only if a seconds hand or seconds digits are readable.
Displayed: 7:01
